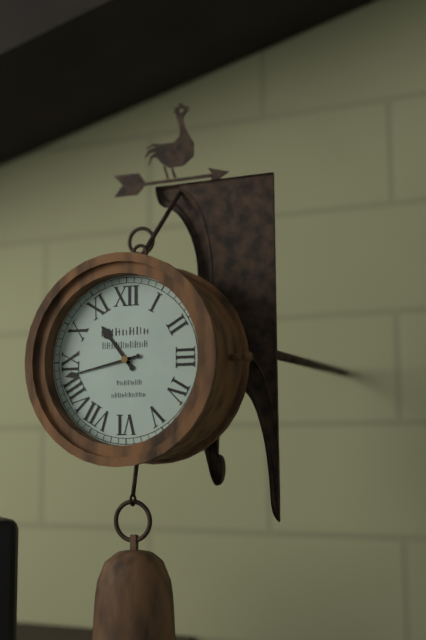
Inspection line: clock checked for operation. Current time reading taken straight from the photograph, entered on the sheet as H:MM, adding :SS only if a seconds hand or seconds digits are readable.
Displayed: 10:43
